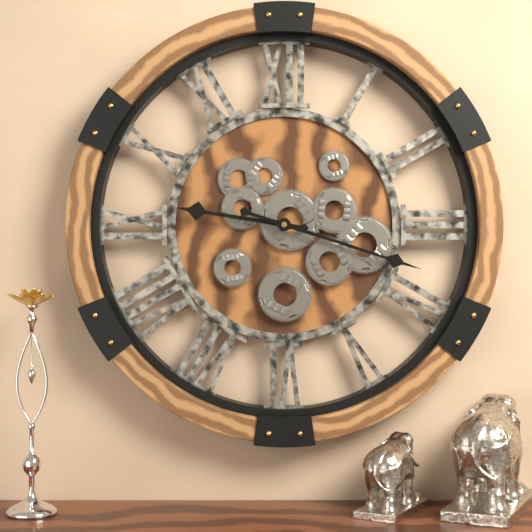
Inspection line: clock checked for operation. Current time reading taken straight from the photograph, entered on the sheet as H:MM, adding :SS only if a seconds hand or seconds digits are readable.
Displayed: 9:18
